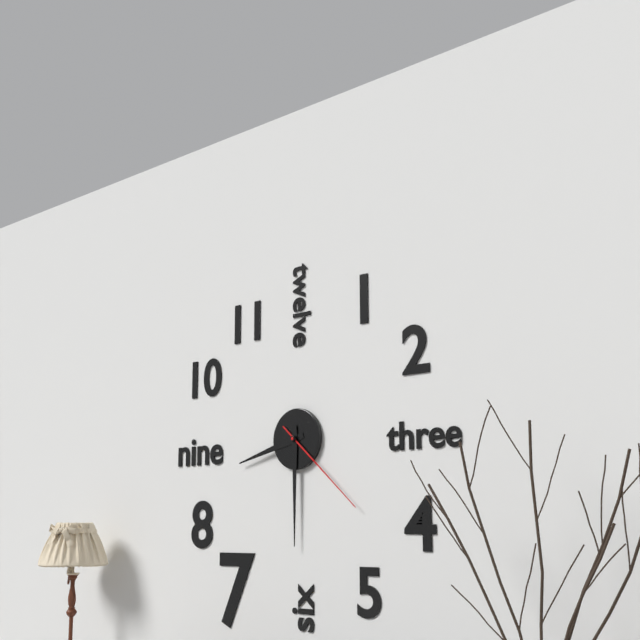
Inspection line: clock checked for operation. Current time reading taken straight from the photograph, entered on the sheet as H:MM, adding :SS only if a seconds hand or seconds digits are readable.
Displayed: 8:30:22
